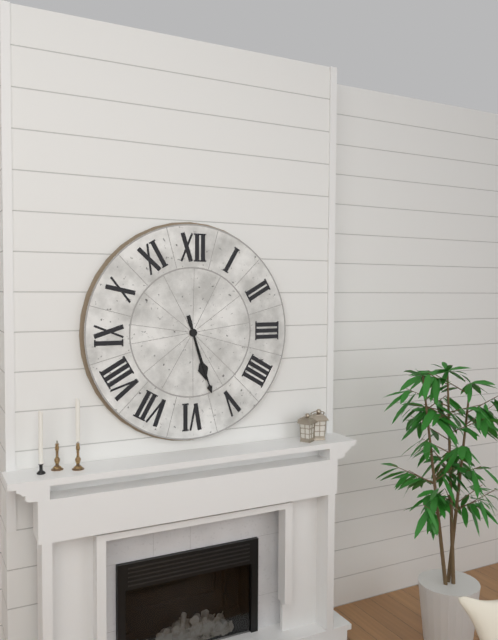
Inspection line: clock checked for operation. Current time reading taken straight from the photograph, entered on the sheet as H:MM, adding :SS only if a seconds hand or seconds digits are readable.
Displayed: 5:27
